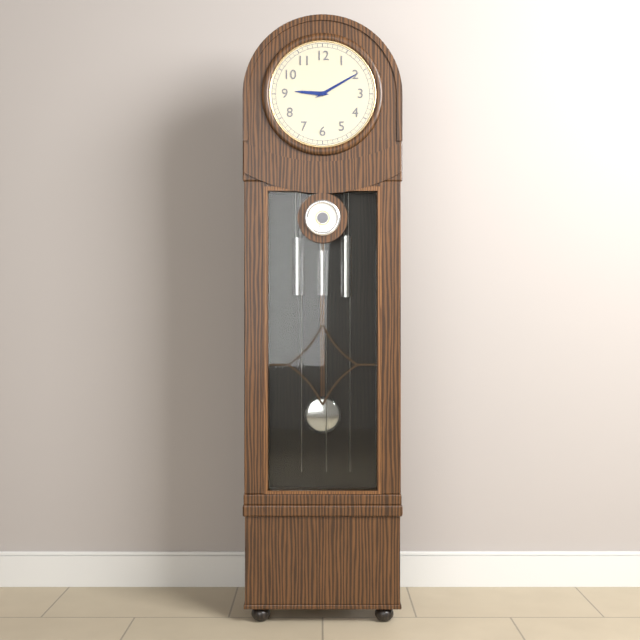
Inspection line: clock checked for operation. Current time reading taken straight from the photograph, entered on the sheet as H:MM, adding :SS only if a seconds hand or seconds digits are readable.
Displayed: 9:10
